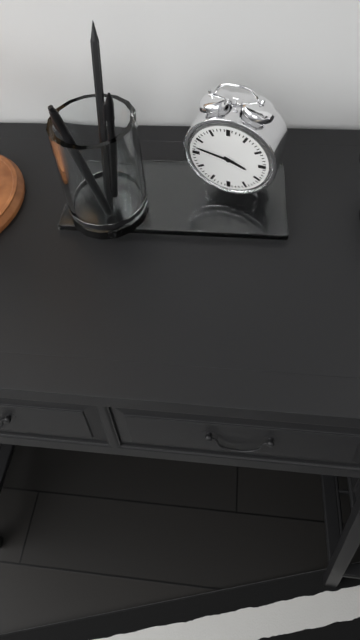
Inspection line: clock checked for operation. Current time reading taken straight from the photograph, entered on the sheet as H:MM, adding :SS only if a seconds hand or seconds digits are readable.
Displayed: 3:47
